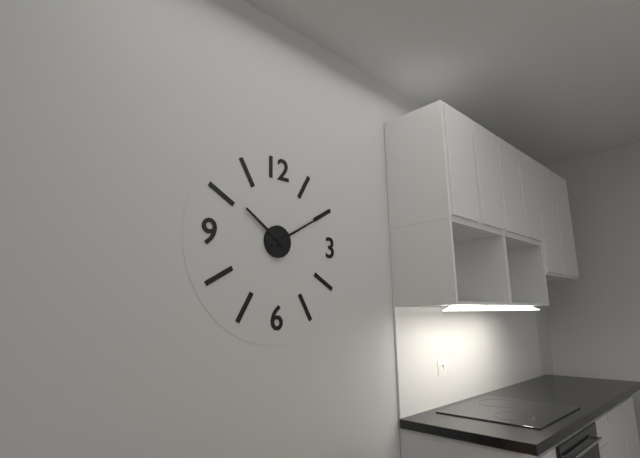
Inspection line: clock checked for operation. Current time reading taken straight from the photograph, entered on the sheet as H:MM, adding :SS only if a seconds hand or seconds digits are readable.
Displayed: 10:10
